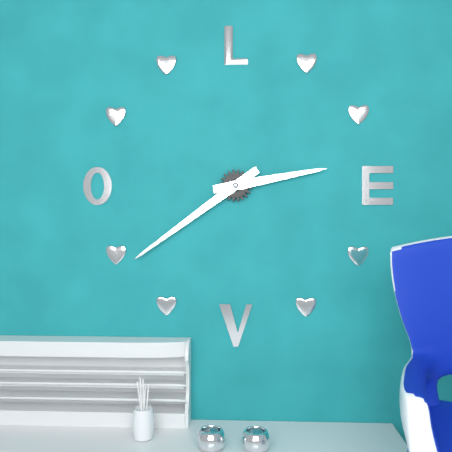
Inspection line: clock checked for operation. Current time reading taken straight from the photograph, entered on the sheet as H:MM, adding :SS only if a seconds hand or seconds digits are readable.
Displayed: 2:39
